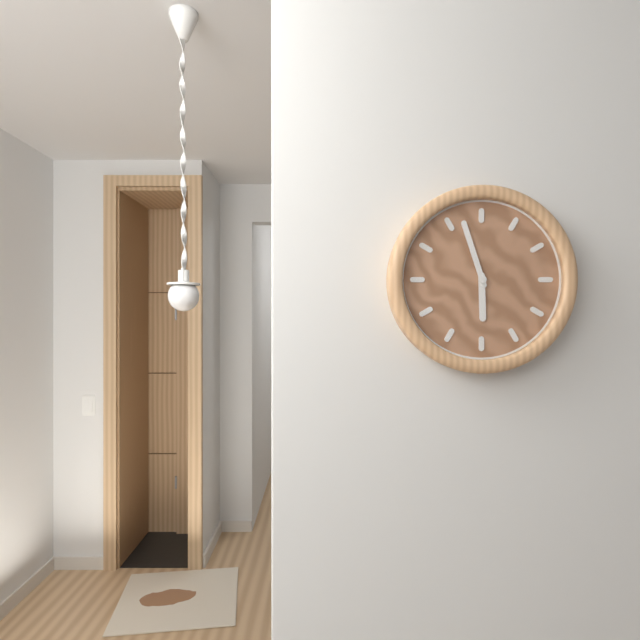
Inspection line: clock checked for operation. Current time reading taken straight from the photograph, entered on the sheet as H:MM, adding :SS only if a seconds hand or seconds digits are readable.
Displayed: 5:57
